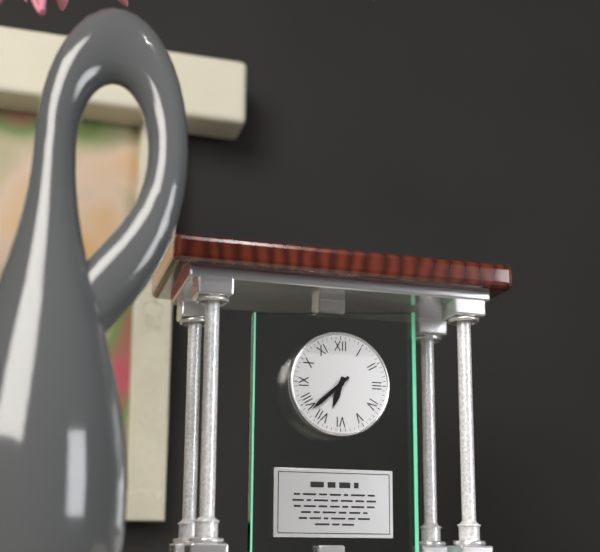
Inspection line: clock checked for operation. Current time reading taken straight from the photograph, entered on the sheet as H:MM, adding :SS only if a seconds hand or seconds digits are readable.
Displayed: 6:38
